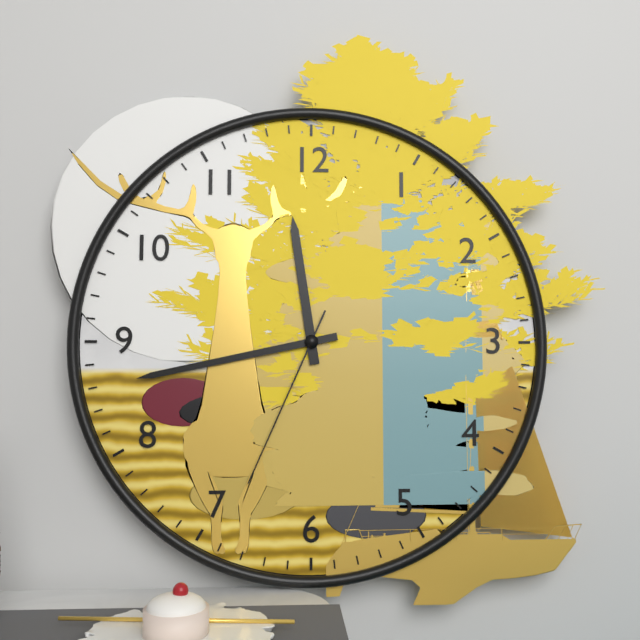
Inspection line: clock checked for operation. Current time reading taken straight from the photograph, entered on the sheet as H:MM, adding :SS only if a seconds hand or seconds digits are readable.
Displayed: 11:43:34
